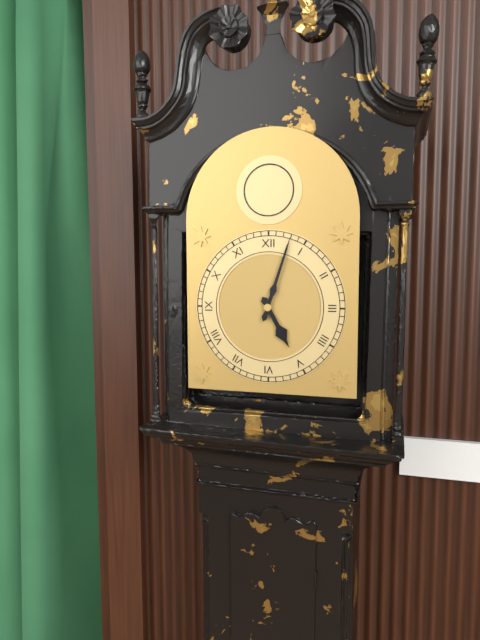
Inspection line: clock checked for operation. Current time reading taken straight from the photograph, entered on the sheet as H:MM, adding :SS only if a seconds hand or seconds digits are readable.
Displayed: 5:03
